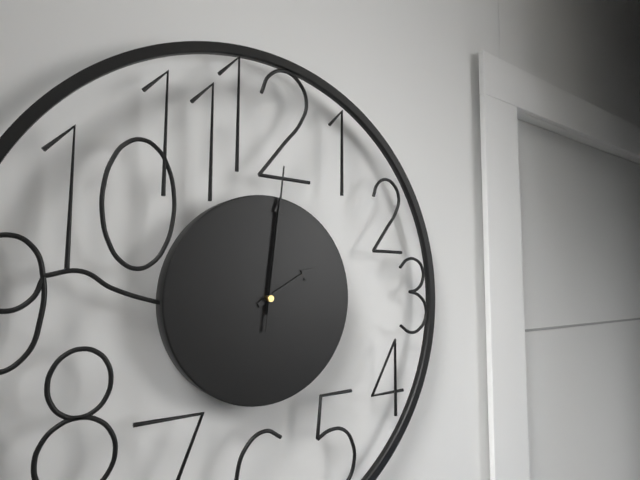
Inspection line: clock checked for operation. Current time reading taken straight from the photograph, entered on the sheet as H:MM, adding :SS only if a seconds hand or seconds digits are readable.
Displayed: 2:01:01
